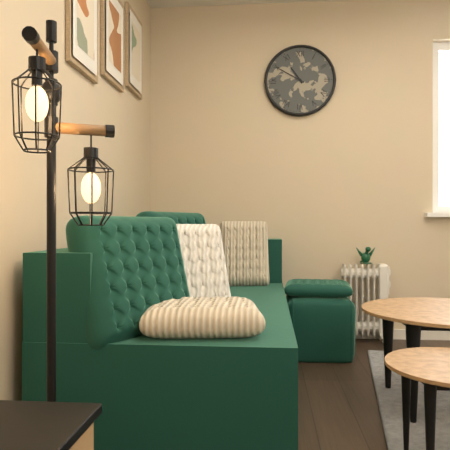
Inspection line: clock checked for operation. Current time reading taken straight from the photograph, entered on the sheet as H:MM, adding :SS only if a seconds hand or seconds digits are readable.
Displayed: 10:50
